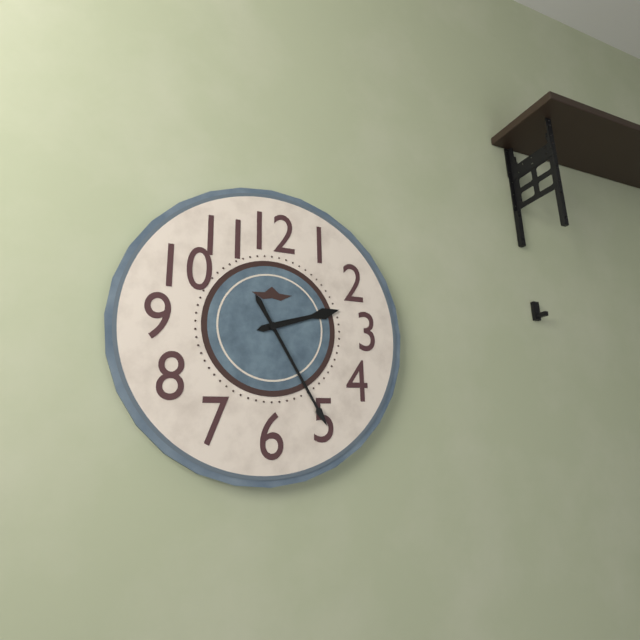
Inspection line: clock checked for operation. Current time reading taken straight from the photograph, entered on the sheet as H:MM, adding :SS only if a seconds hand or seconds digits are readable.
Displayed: 2:25
